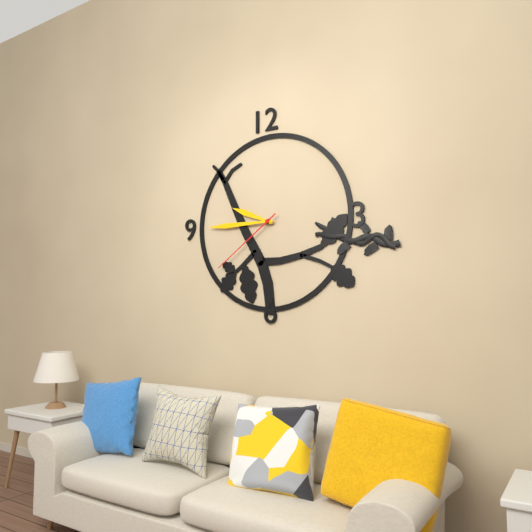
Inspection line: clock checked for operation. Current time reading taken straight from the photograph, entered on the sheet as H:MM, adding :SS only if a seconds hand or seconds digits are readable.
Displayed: 9:45:39
